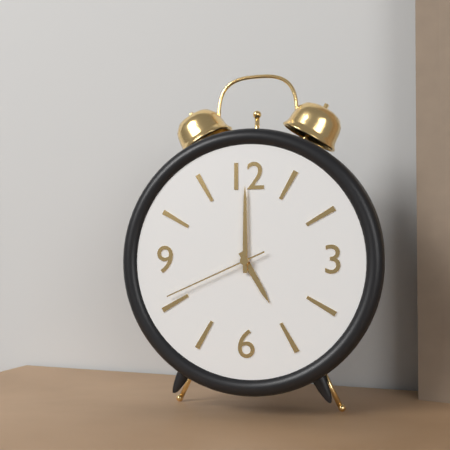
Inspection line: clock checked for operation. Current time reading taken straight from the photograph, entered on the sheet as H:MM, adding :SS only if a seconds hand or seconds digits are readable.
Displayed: 5:00:41
